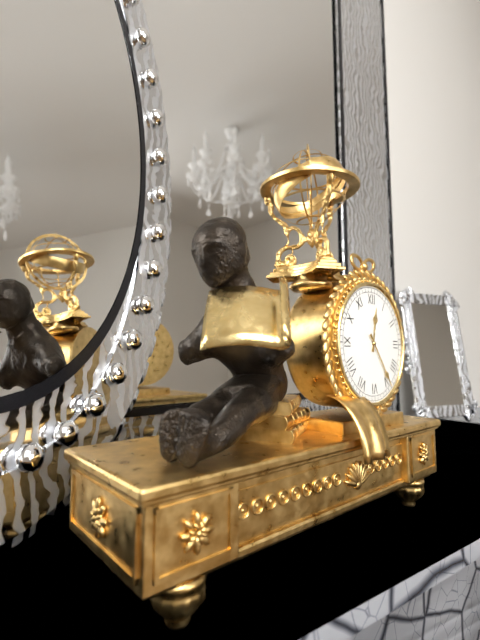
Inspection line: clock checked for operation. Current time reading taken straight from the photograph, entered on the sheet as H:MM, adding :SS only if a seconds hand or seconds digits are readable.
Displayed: 12:24
